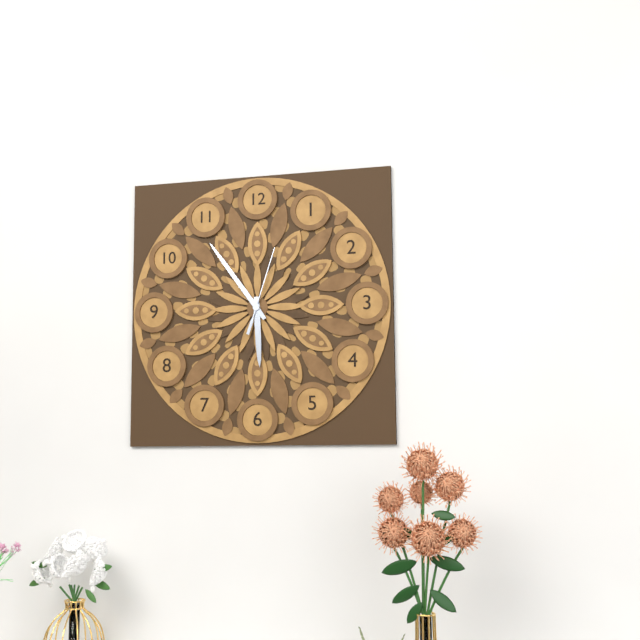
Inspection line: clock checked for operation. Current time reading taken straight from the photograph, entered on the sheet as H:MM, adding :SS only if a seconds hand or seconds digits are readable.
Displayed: 5:54:03
